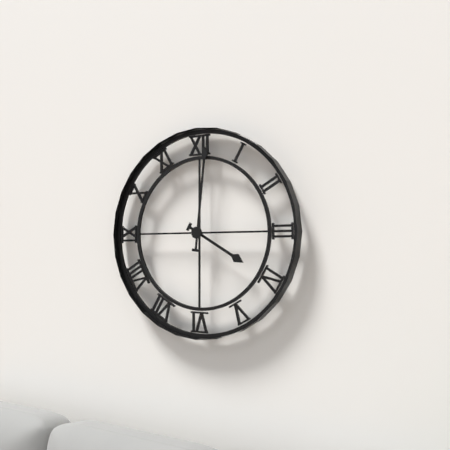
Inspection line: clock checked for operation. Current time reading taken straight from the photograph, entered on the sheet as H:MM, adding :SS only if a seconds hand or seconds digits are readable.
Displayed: 4:01
